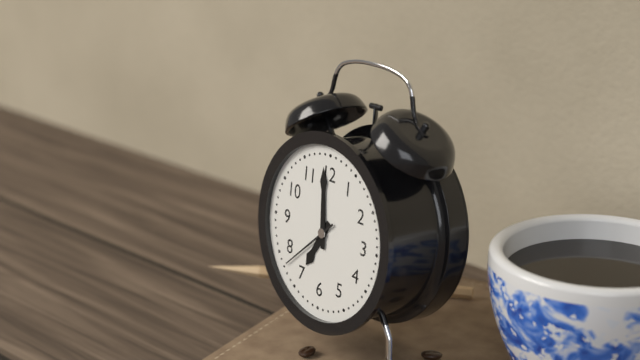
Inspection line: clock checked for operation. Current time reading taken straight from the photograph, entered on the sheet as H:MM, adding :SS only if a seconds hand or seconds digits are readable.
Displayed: 6:59:38
